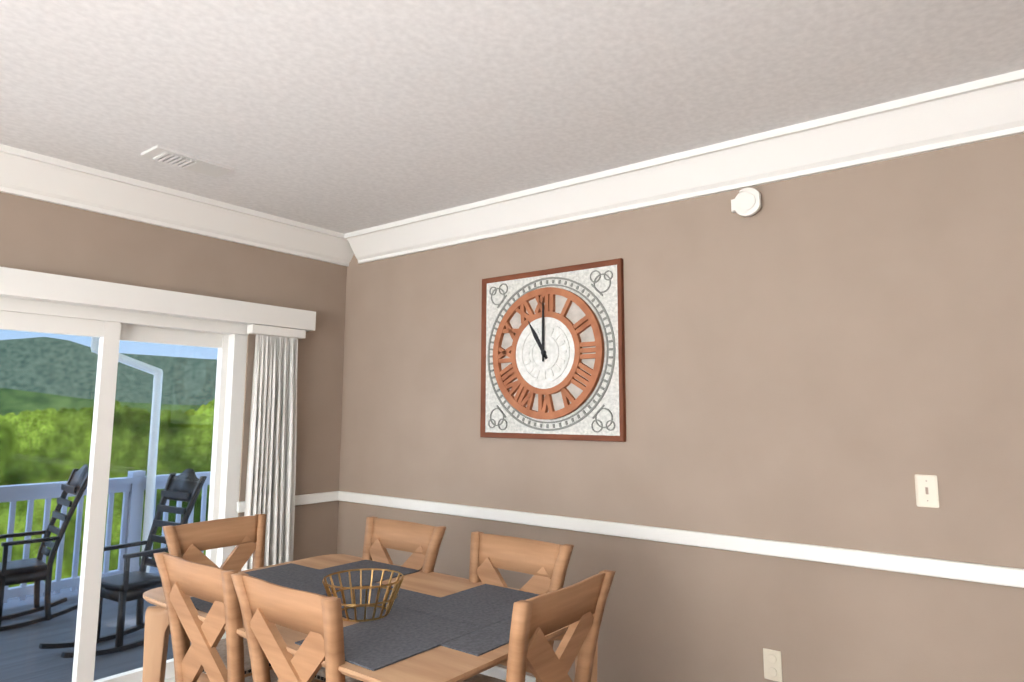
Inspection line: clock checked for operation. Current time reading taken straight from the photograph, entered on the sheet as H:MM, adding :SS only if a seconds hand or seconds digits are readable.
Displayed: 11:00
